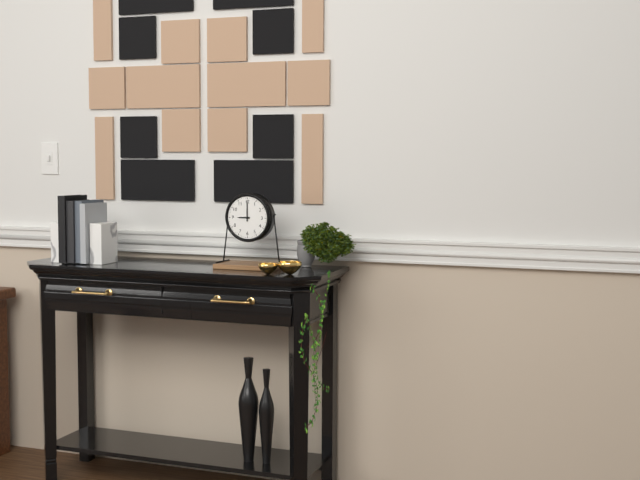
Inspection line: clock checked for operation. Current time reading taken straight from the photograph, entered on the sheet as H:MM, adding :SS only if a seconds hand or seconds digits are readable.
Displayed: 9:00
